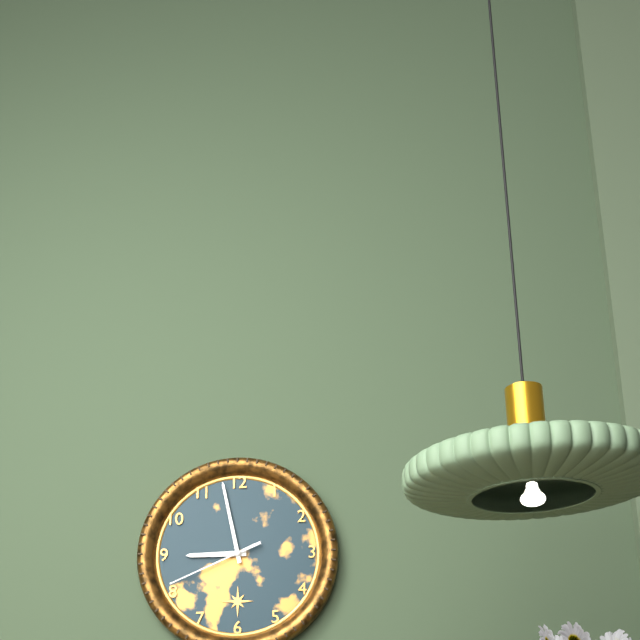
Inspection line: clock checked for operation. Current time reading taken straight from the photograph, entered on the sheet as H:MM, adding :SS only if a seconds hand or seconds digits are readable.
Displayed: 8:58:41
